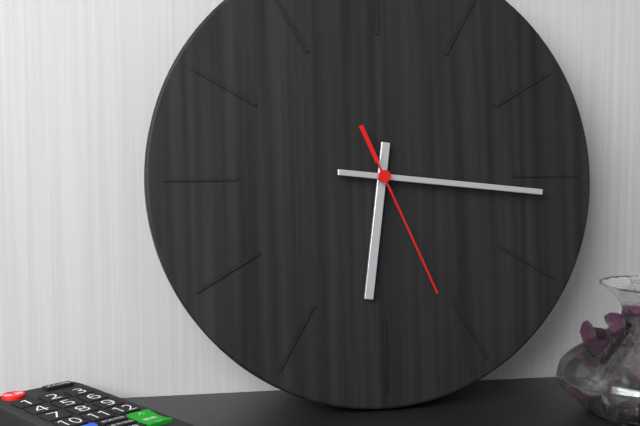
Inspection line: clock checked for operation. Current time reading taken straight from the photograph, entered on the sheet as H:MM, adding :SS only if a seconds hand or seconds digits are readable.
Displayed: 6:16:26
